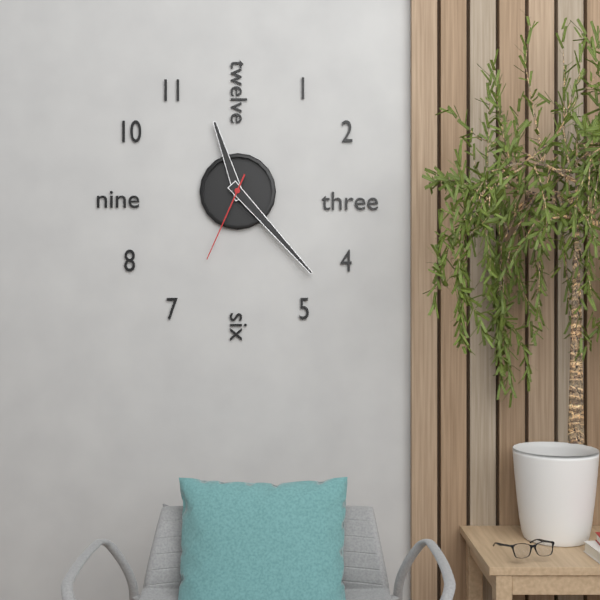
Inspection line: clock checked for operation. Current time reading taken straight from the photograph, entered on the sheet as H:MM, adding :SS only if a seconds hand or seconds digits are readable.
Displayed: 11:23:34
